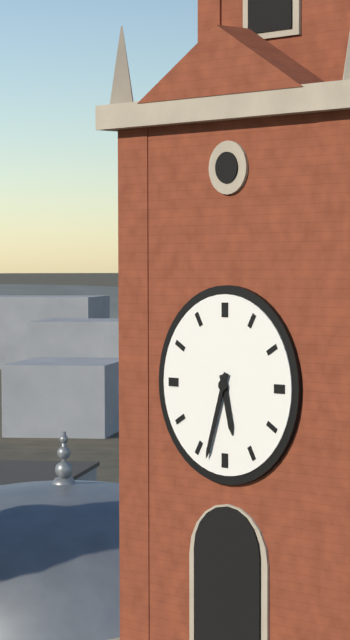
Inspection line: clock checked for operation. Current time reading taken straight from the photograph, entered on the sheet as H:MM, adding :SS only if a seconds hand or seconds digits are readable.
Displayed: 5:33
